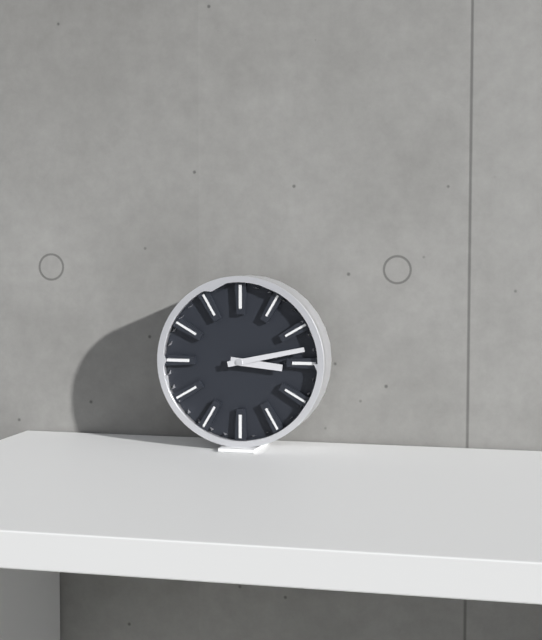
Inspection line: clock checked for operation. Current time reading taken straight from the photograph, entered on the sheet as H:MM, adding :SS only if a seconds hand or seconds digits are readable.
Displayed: 3:13
